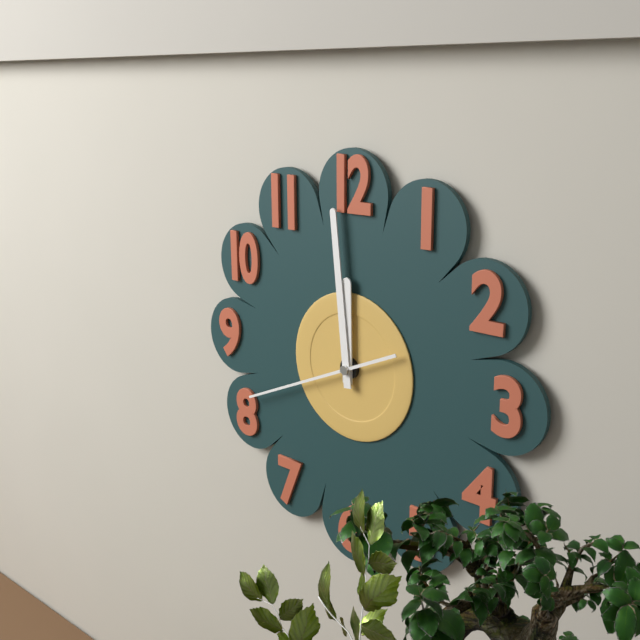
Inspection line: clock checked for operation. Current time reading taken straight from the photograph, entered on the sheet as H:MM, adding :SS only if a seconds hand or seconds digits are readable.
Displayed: 11:59:41
